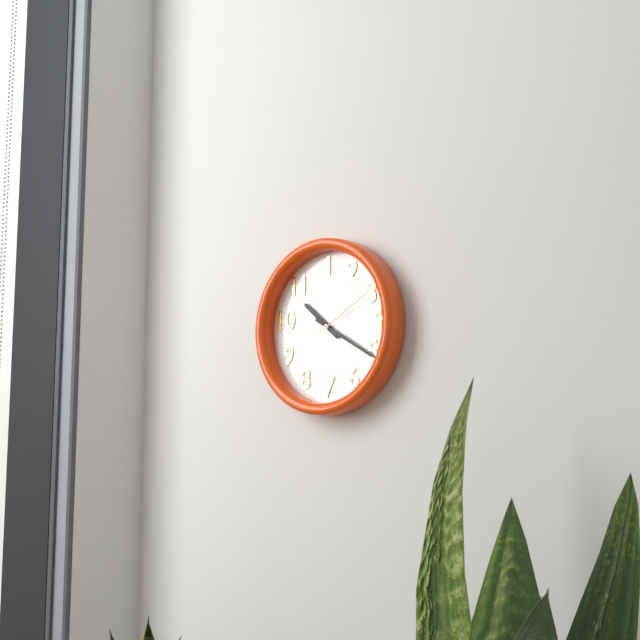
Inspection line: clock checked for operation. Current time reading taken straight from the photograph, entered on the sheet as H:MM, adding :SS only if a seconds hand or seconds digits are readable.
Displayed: 10:20:10
